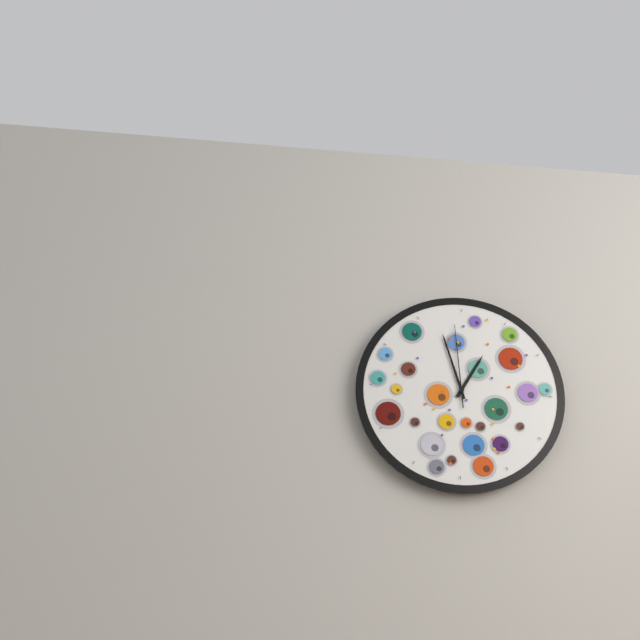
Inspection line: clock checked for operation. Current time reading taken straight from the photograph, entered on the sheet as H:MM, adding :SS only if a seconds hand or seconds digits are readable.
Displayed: 12:57:59
